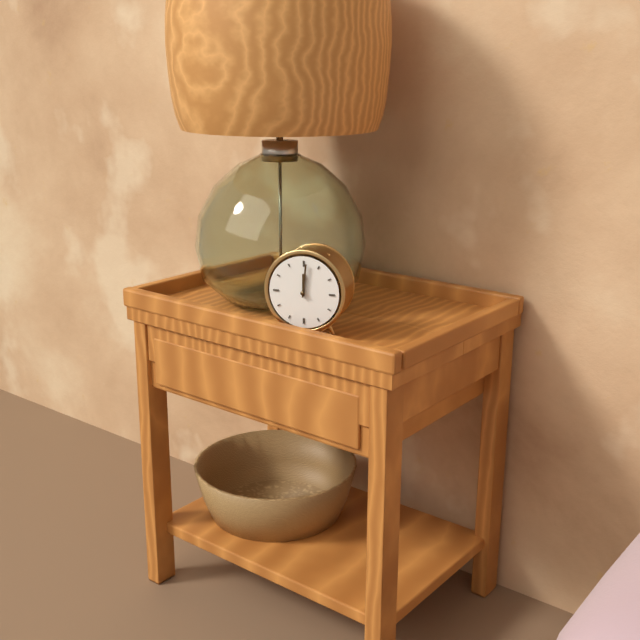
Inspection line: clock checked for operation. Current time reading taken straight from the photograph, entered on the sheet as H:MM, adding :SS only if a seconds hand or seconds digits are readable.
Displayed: 12:01
